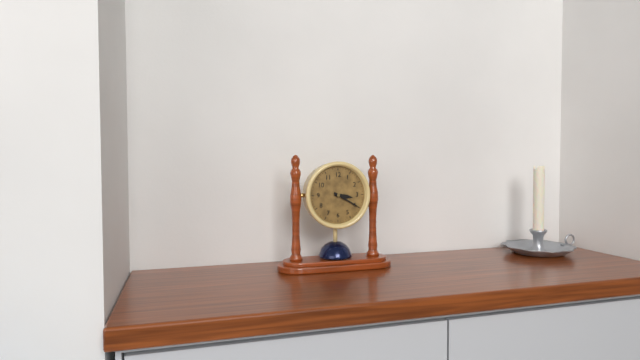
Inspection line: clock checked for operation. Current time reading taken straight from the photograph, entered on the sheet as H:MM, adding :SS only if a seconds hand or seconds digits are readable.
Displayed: 3:20
